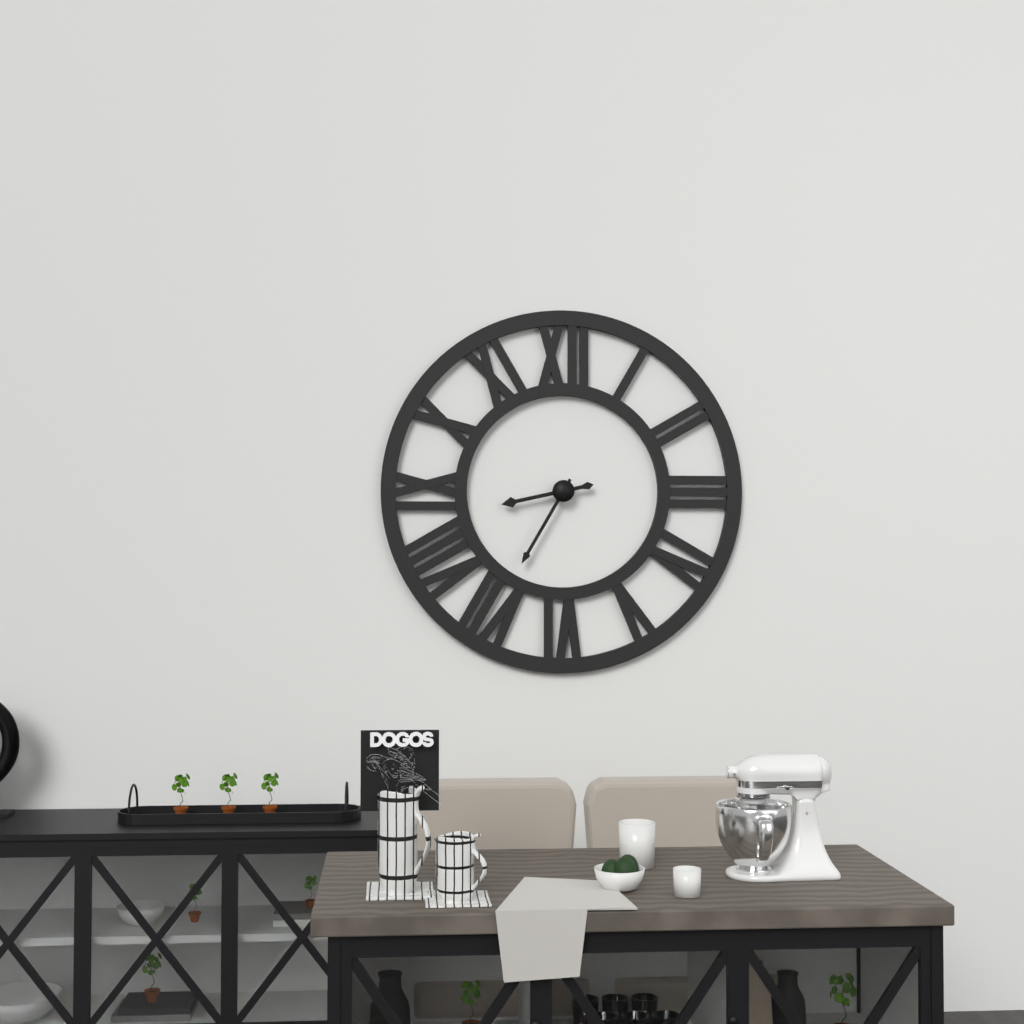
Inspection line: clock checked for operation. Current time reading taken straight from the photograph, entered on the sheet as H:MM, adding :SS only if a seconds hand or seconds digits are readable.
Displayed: 8:35
